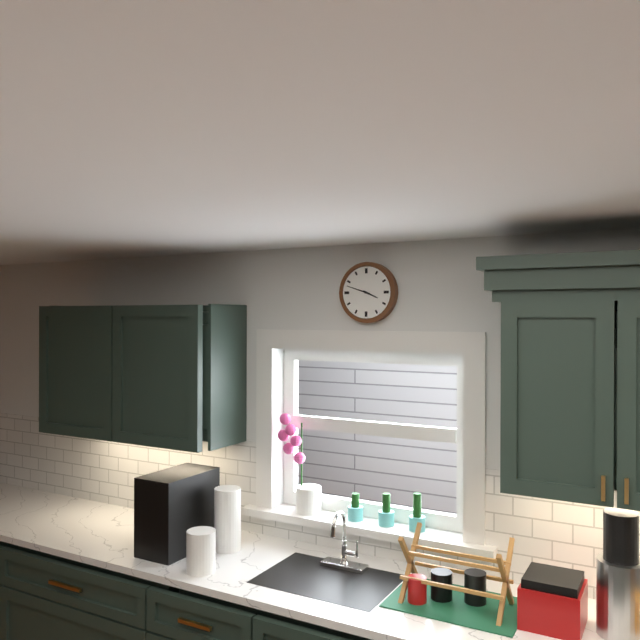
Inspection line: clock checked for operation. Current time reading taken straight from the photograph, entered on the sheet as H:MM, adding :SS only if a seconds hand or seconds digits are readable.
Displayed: 3:48
